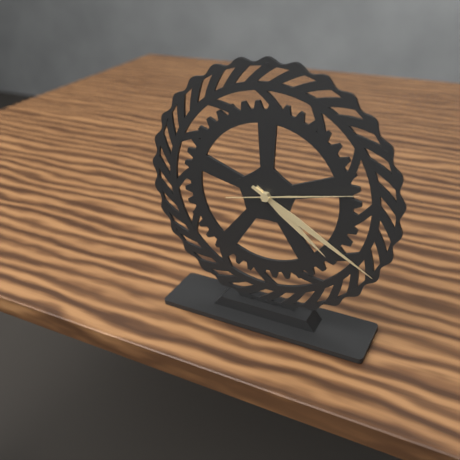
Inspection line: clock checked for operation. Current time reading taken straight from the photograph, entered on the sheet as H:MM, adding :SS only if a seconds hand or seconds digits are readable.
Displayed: 4:20:13
